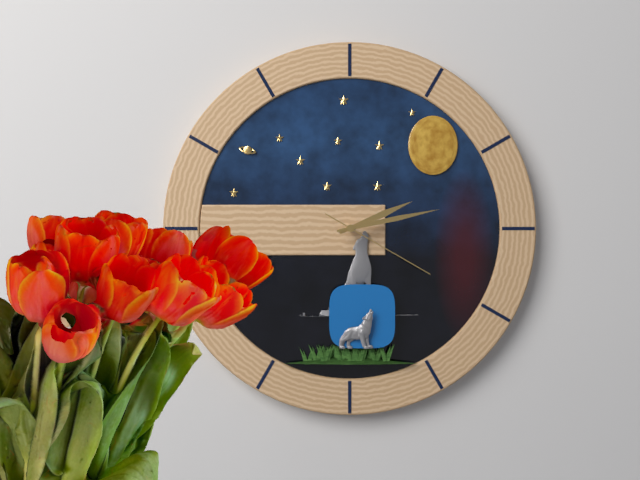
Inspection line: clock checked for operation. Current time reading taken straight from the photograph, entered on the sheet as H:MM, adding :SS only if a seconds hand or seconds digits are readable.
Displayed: 2:13:20
